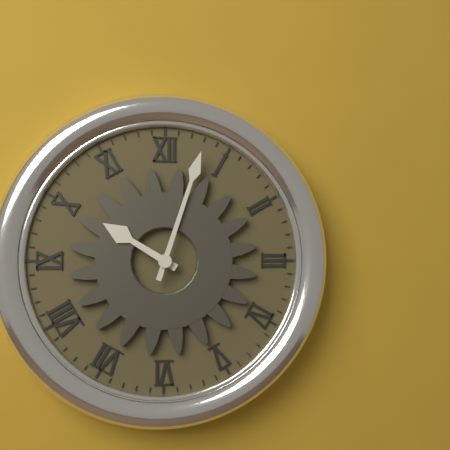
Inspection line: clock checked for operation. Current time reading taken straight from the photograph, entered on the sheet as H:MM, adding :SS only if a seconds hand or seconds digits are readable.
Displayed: 10:03
